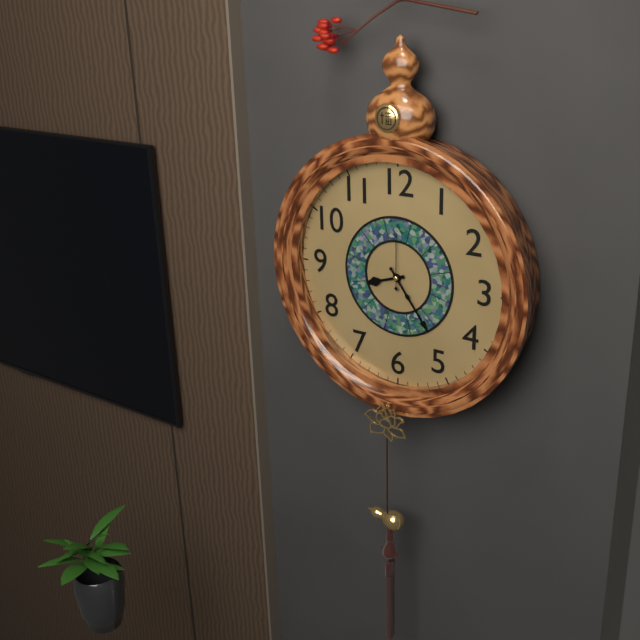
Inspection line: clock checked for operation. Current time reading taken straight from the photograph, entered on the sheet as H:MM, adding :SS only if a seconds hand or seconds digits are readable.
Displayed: 8:24
